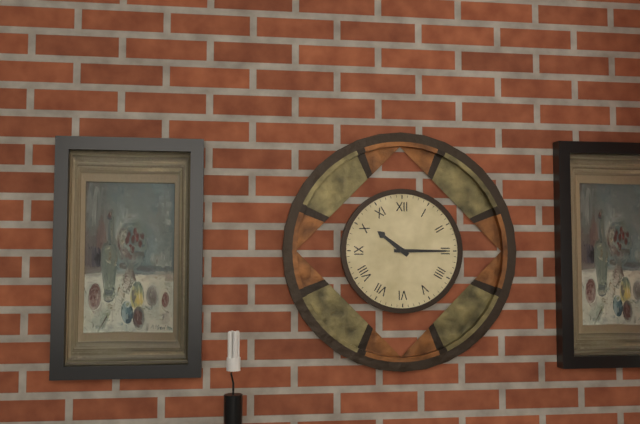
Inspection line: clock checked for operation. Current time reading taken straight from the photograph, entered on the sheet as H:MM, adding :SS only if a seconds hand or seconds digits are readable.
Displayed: 10:15
